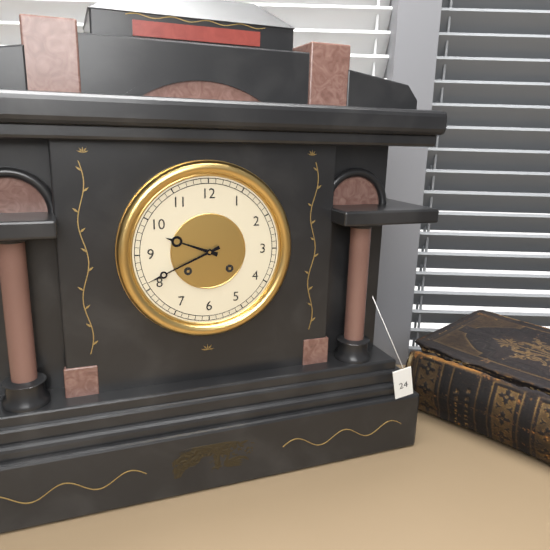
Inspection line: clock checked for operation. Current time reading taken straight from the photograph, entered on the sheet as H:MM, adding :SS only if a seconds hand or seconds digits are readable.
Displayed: 9:41
